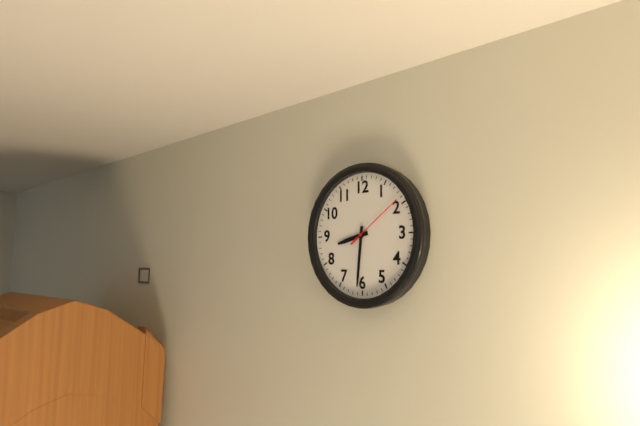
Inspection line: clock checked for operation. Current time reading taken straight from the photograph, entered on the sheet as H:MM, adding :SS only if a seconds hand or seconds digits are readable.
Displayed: 8:31:09
